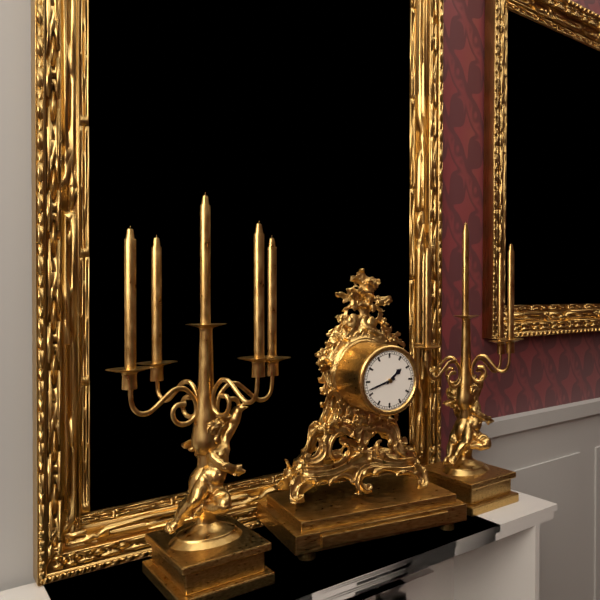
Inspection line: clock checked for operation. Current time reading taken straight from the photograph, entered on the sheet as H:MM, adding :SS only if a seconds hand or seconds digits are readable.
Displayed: 1:42
